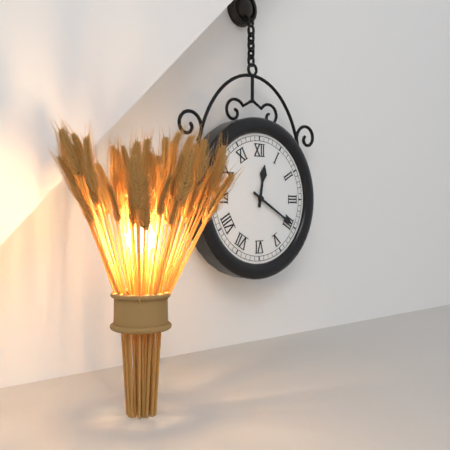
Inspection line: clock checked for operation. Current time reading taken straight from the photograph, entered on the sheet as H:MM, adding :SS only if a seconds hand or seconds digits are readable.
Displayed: 12:20
